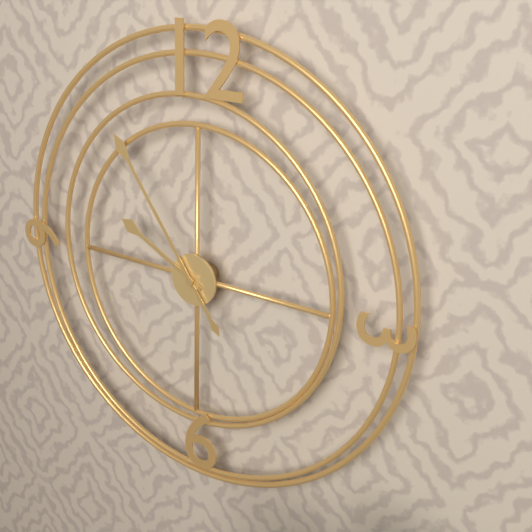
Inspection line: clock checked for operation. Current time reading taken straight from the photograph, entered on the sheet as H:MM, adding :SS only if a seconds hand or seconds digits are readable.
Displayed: 9:54
